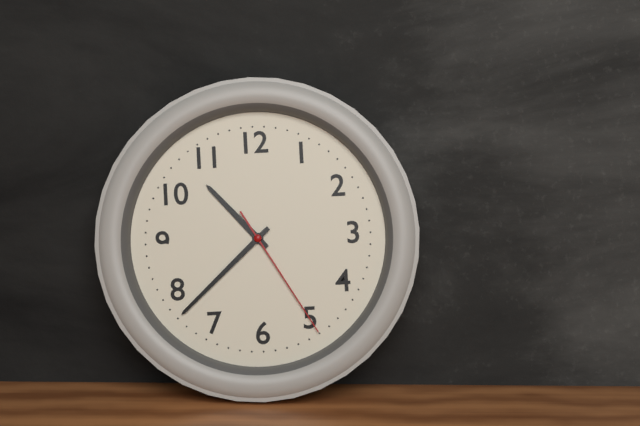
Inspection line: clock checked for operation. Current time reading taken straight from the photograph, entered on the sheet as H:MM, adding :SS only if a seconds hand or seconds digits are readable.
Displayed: 10:38:25
